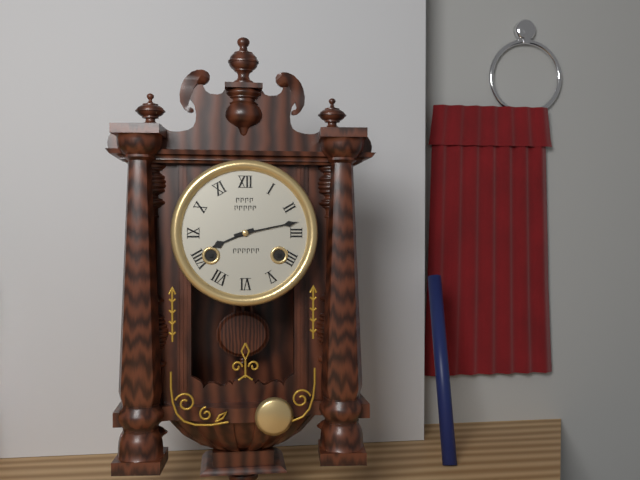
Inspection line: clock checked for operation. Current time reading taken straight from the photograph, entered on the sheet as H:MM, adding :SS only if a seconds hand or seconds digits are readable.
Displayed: 8:13
